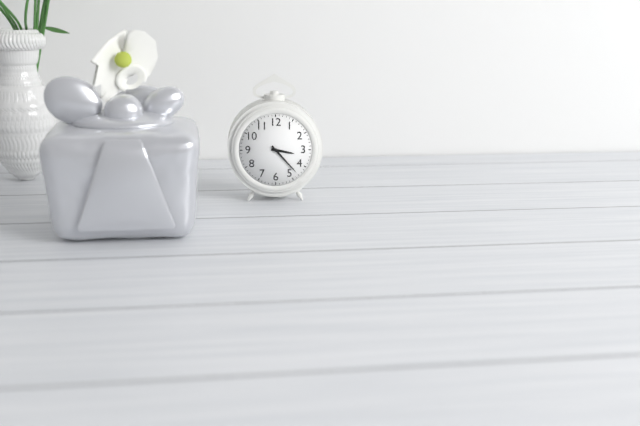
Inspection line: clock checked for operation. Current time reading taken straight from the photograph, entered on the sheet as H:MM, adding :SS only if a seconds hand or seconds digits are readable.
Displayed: 3:23
